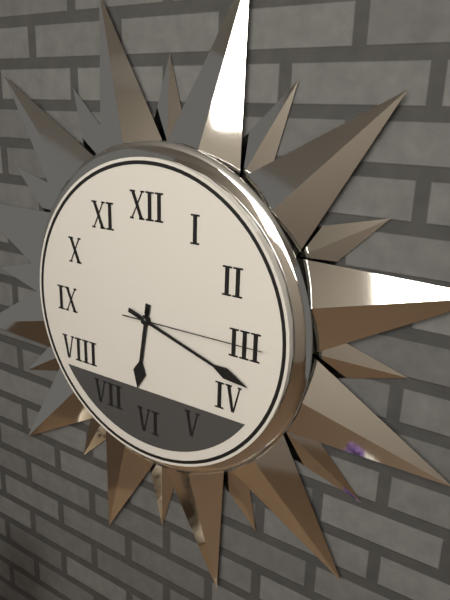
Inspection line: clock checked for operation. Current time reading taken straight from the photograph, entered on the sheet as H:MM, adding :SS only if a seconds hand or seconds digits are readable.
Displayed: 6:18:15
